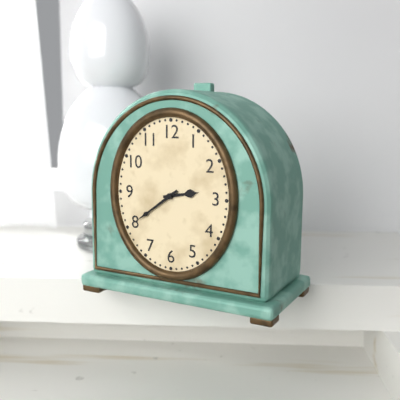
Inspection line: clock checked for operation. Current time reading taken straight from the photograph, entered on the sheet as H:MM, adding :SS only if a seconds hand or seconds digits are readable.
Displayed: 2:39
